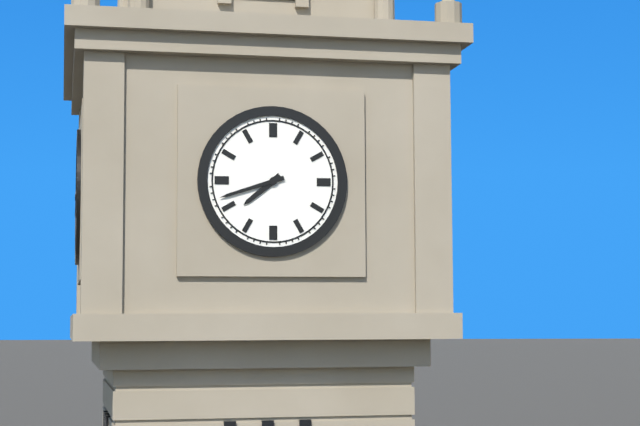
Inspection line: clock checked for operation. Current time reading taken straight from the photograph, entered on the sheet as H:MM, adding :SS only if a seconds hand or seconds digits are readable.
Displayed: 7:42
